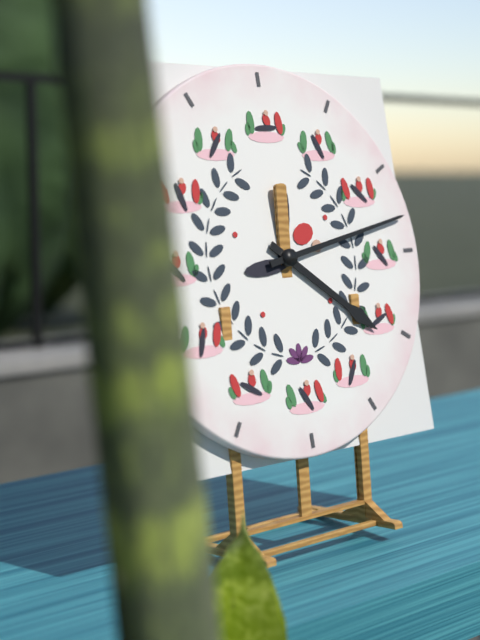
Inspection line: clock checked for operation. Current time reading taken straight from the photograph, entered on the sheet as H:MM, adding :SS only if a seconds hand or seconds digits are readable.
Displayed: 4:13
